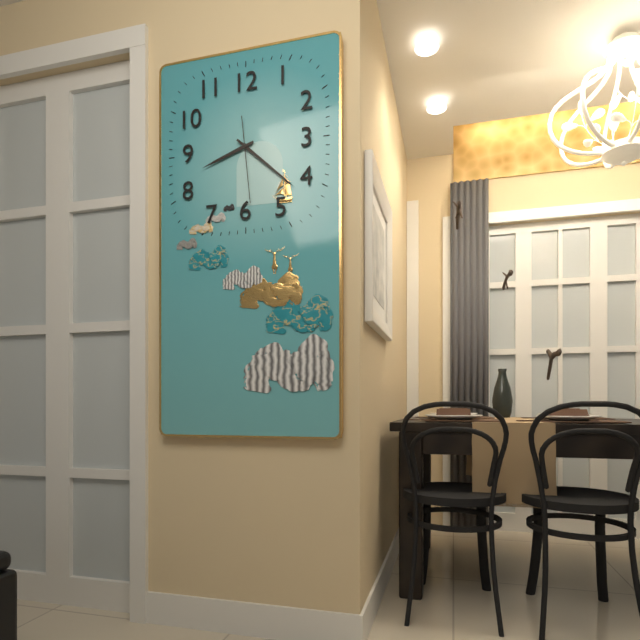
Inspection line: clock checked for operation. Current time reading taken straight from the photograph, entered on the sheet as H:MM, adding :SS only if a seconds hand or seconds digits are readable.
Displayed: 8:22:29
